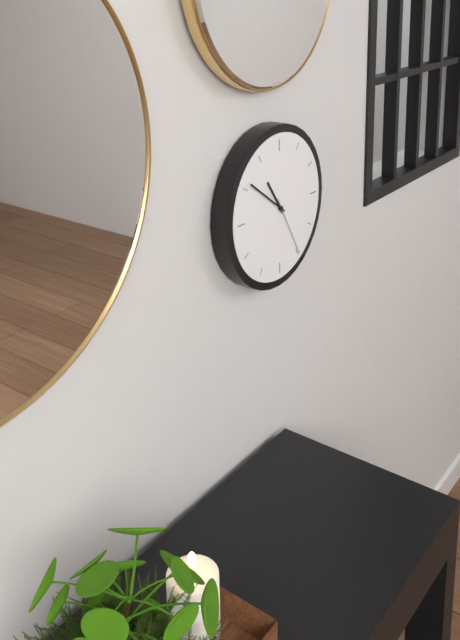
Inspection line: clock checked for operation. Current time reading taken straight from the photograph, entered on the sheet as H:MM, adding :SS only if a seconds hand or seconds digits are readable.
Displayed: 10:51:25
